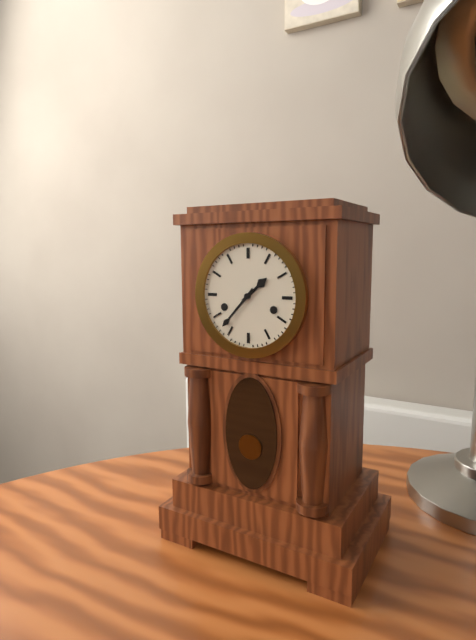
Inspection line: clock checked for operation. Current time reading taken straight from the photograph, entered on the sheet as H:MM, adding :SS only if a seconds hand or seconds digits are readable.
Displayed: 1:37
